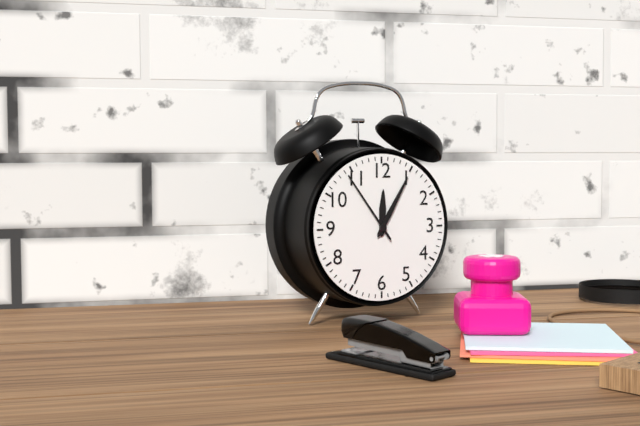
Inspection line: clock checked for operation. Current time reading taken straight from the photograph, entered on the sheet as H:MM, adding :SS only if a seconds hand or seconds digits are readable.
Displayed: 12:05:54
